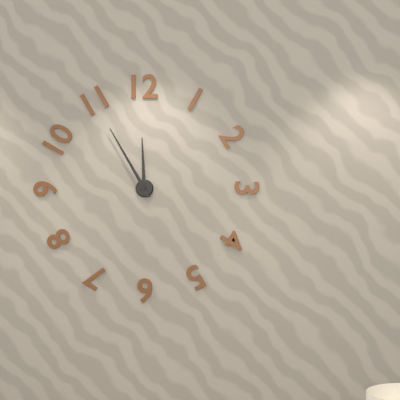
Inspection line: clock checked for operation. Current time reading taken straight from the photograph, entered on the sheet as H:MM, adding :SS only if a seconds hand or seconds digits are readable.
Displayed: 11:55
